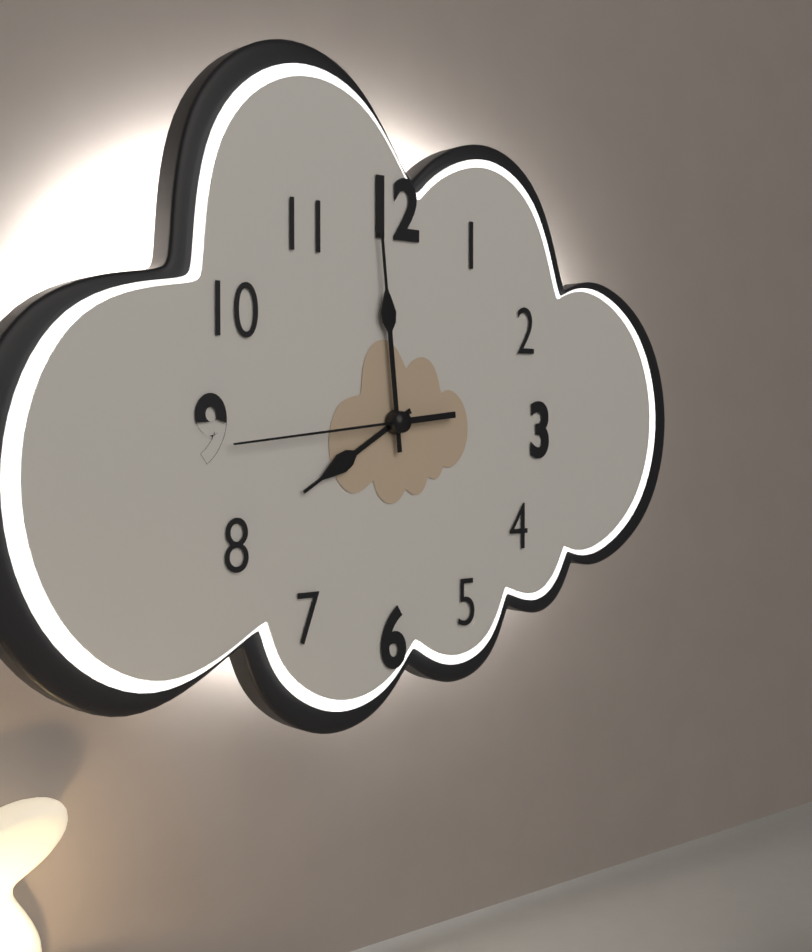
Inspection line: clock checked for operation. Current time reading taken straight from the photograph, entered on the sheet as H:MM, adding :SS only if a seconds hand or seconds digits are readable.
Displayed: 7:59:44
